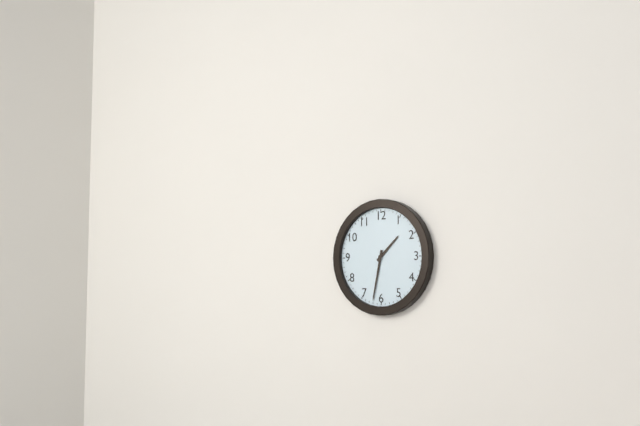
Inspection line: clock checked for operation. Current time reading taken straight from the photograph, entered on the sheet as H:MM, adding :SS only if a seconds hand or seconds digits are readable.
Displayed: 1:32
